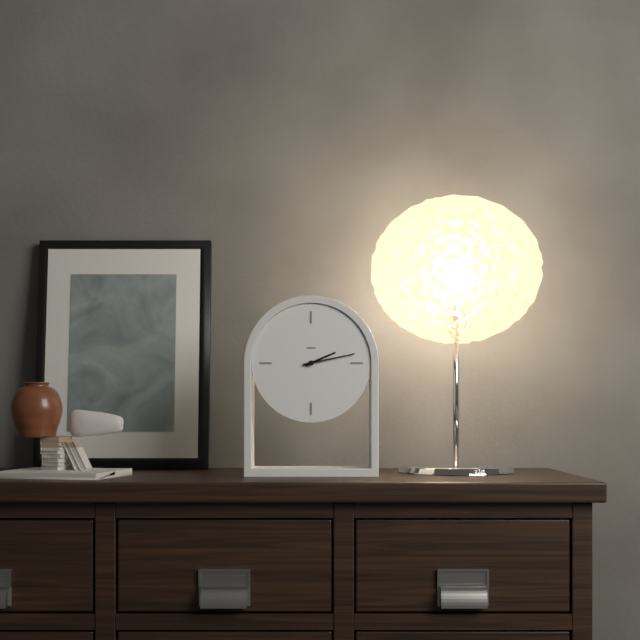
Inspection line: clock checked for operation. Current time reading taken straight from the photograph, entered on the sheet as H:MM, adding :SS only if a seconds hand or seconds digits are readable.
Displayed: 2:13
